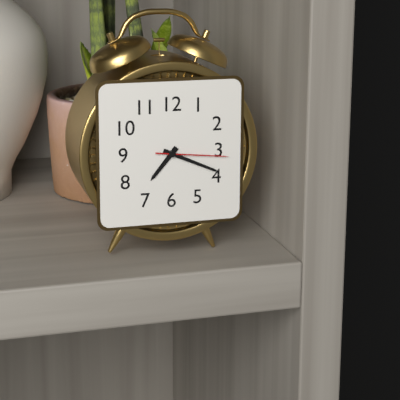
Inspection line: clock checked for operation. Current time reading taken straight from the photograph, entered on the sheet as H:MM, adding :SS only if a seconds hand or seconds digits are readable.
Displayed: 7:19:16
